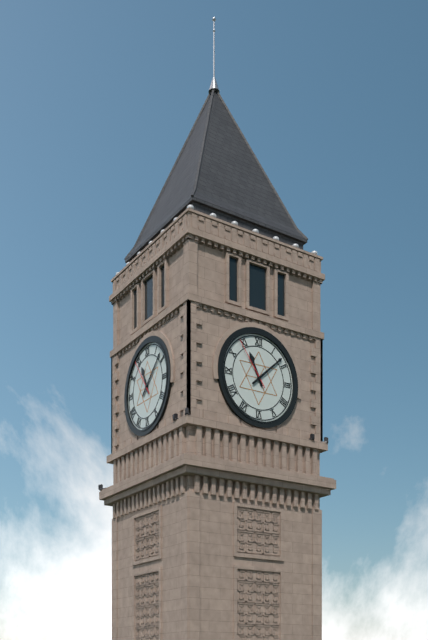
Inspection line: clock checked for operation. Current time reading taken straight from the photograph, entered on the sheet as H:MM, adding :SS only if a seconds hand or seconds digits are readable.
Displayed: 11:08:54
